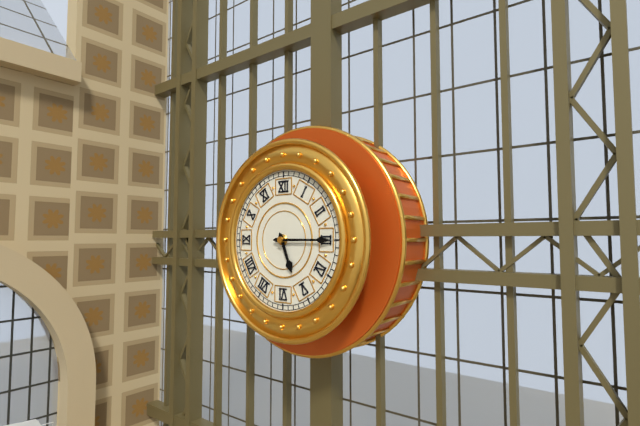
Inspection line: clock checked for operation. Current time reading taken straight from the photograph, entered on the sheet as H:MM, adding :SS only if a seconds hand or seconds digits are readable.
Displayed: 5:15
